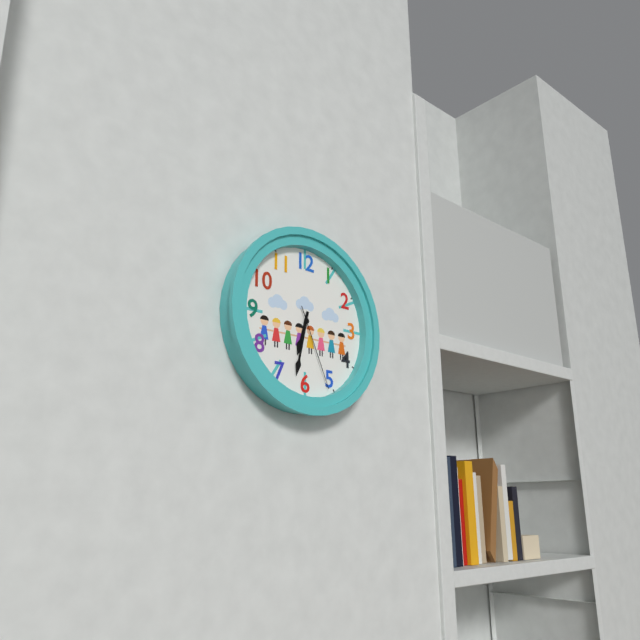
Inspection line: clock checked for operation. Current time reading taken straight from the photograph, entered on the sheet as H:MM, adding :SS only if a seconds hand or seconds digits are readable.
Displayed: 6:32:26
